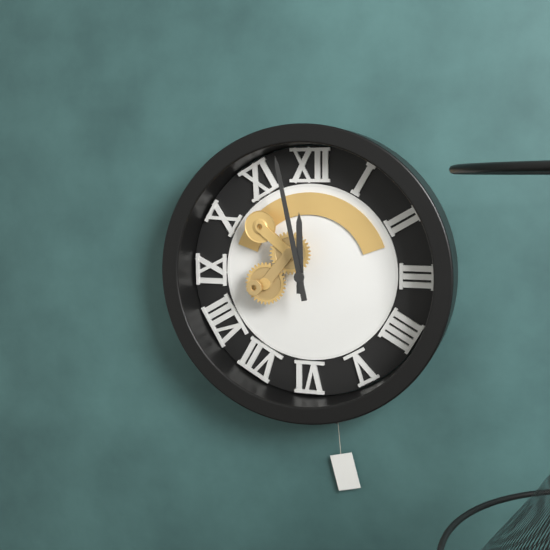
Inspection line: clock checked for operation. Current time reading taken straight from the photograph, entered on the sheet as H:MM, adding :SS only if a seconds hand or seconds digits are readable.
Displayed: 11:58
